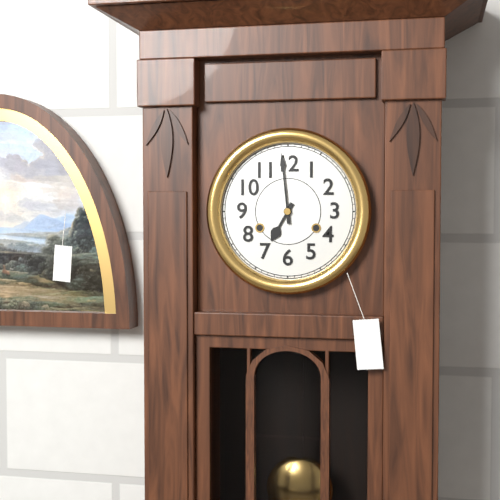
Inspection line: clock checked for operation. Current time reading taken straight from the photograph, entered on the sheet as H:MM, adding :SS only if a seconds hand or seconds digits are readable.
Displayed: 6:59
